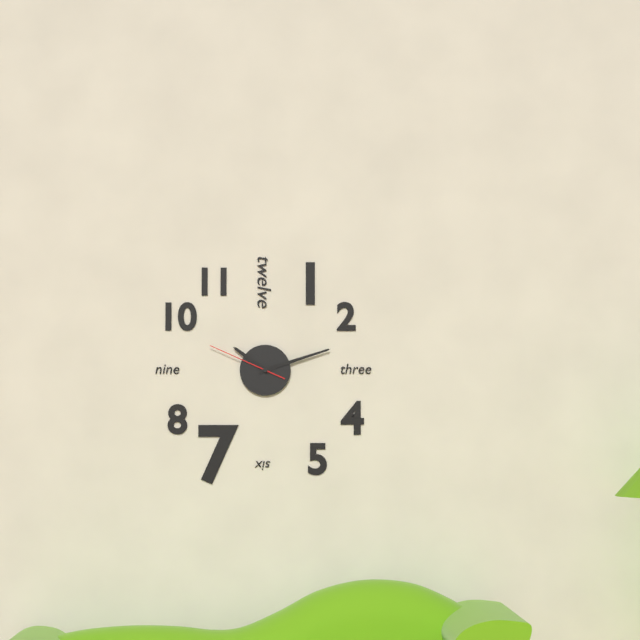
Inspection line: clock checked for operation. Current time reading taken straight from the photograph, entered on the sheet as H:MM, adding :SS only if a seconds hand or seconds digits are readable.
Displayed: 10:12:49
